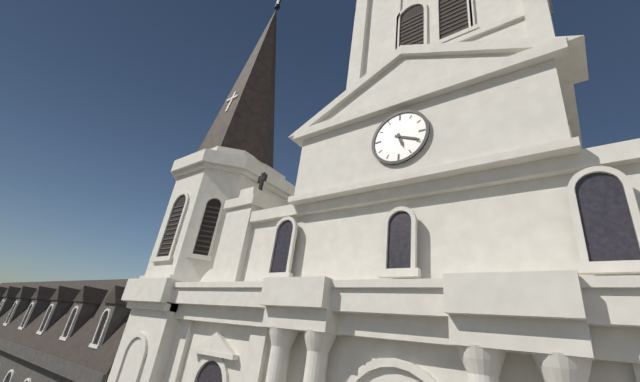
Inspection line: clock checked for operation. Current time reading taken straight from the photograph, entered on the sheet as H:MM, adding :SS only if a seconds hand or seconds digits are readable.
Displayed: 5:19
